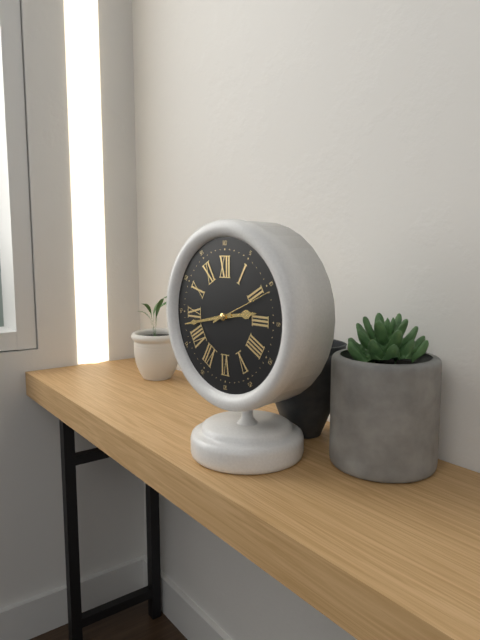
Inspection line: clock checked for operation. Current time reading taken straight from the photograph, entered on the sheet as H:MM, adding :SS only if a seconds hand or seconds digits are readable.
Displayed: 2:43:11
